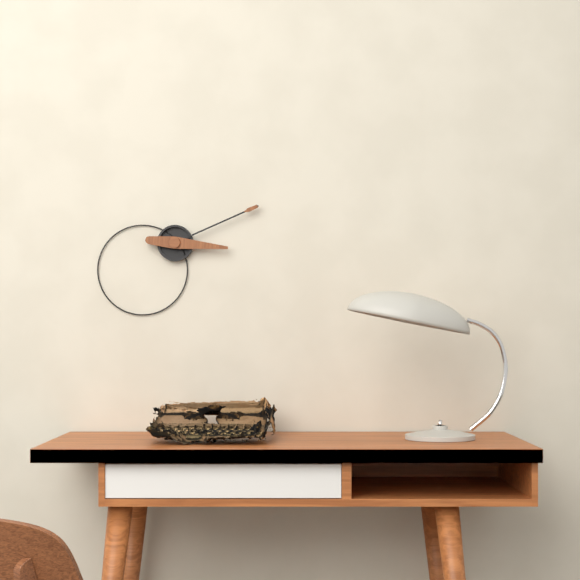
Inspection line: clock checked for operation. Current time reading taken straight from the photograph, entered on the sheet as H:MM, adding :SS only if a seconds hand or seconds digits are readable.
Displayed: 3:11
